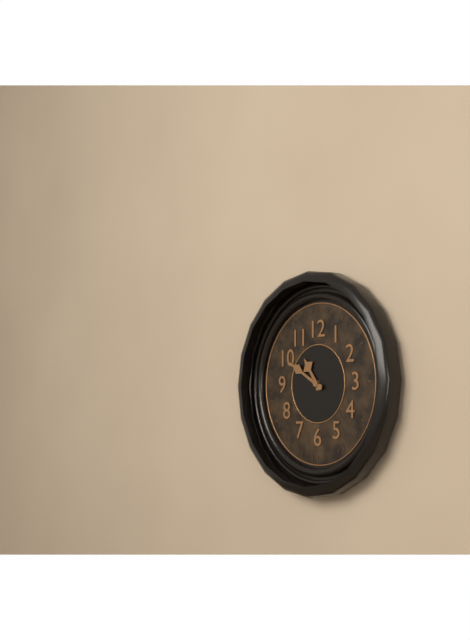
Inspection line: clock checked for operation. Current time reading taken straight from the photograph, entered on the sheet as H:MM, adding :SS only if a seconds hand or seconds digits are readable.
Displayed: 10:50
